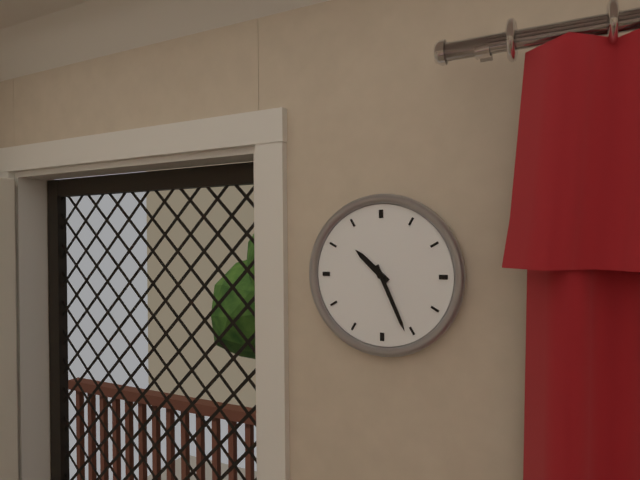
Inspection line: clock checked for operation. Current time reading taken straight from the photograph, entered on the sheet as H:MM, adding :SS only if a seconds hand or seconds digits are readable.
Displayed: 10:26
